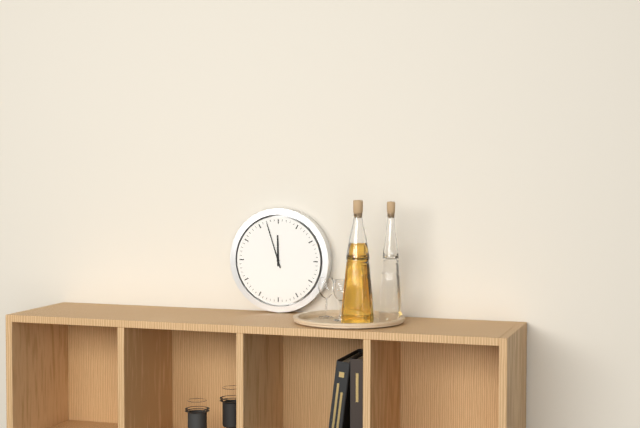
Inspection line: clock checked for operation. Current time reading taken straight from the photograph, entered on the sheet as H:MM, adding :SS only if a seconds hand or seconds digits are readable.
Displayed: 11:57
